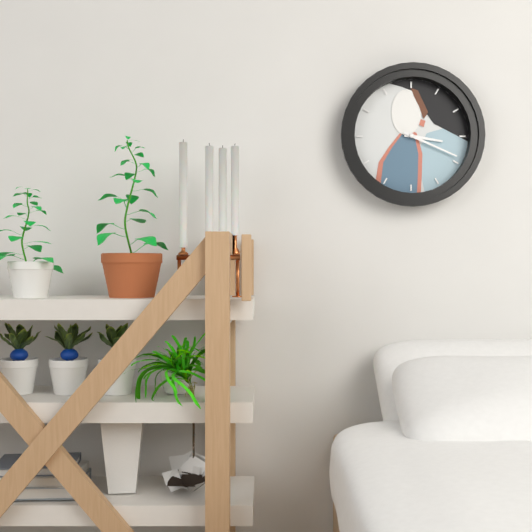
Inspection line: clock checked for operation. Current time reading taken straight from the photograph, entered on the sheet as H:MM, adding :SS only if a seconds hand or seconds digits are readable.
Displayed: 3:19
